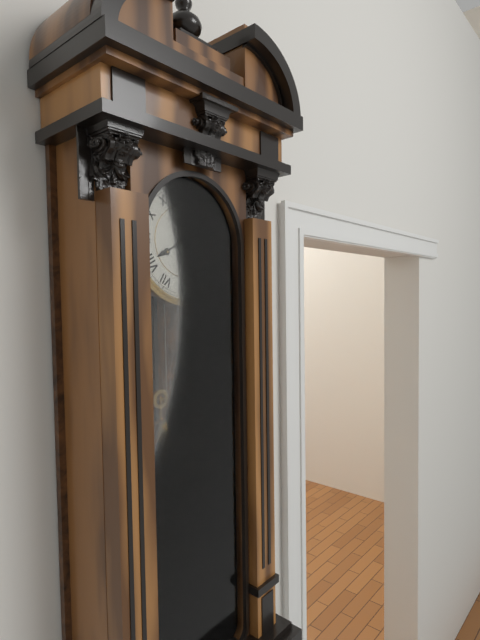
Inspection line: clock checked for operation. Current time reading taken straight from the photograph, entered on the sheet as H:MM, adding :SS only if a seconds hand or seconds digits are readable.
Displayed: 8:07
